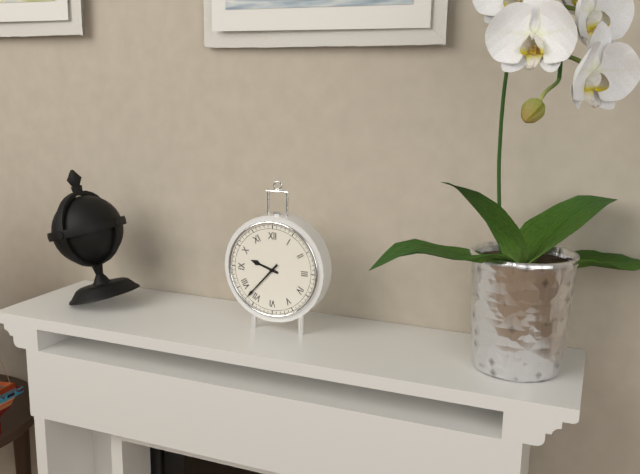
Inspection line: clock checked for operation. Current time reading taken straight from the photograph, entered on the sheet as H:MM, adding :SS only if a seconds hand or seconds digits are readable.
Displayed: 9:37
